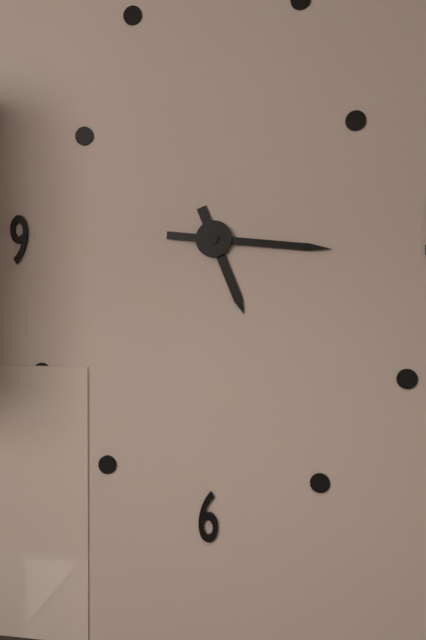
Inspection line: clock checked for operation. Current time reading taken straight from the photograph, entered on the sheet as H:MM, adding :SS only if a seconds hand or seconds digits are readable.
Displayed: 5:16
